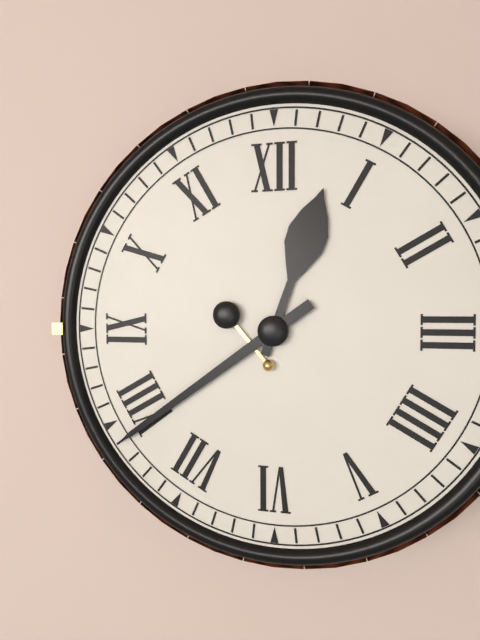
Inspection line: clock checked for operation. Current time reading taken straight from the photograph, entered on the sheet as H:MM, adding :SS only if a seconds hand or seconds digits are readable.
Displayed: 12:39
